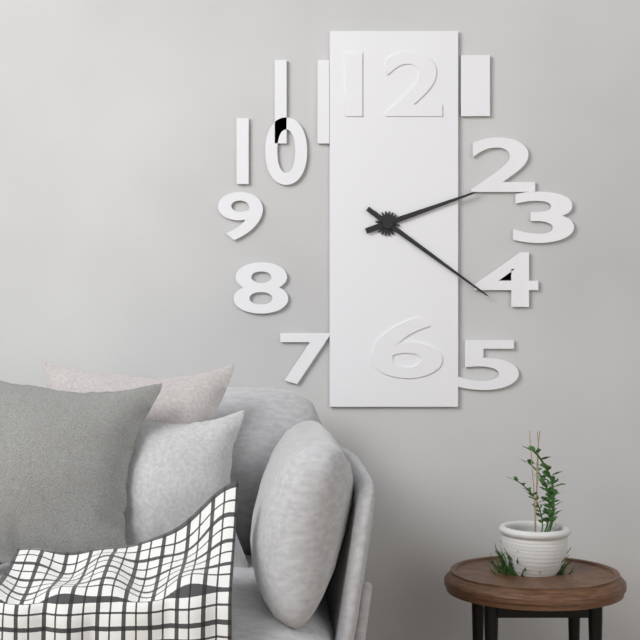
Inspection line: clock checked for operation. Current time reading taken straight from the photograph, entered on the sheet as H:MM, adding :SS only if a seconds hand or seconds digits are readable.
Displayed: 2:21
